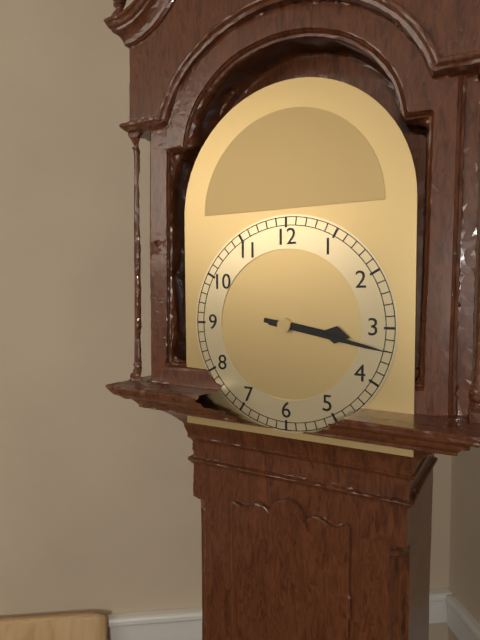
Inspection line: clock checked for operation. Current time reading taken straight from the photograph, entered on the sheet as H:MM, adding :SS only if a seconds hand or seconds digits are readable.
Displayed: 3:17
